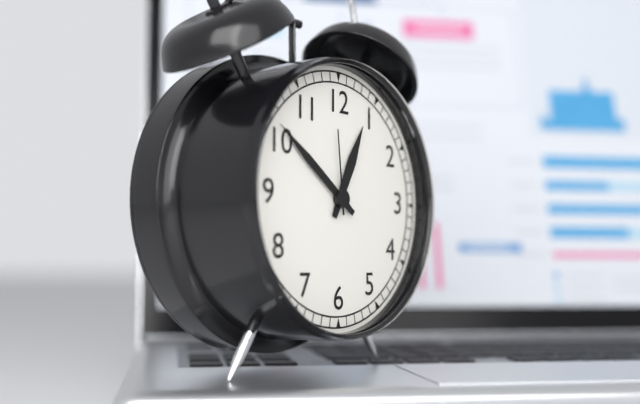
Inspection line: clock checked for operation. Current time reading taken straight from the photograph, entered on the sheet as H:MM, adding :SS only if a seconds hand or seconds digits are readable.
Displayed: 12:51:59
